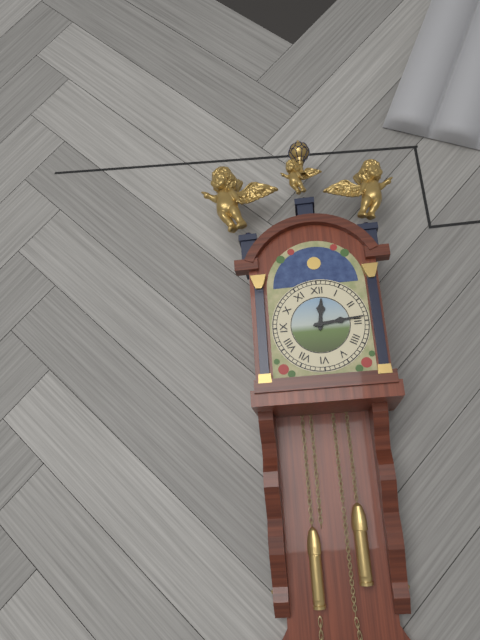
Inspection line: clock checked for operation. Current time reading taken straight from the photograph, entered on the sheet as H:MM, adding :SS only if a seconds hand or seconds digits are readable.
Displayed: 12:14
